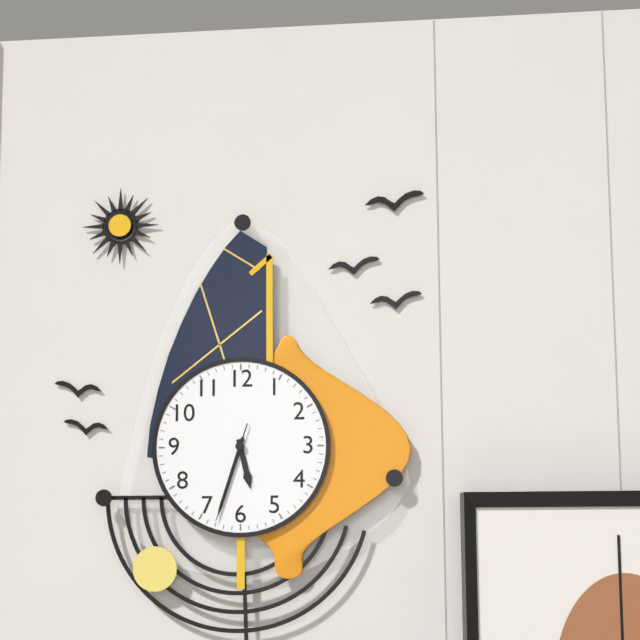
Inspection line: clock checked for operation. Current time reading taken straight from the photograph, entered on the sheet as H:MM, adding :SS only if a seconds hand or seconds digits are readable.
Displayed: 5:33:33
